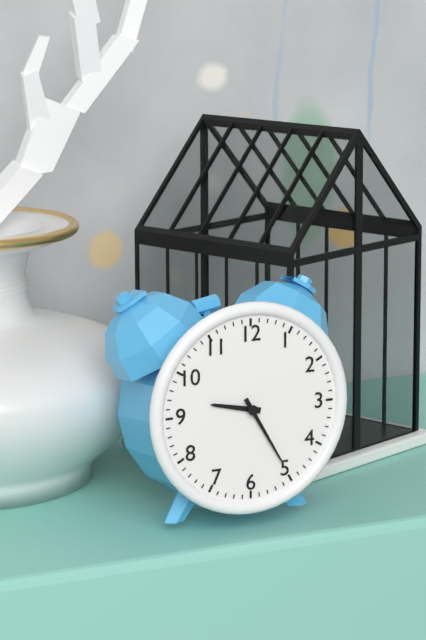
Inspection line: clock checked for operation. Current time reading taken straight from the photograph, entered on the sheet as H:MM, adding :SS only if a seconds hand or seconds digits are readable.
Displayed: 9:25
